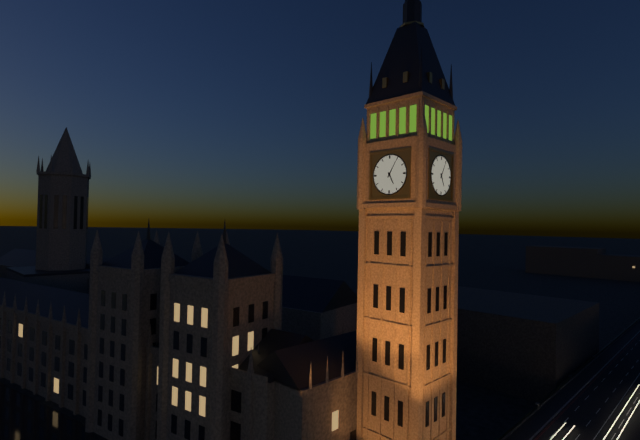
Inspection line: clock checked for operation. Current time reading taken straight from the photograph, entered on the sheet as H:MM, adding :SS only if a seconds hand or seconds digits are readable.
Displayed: 5:05
